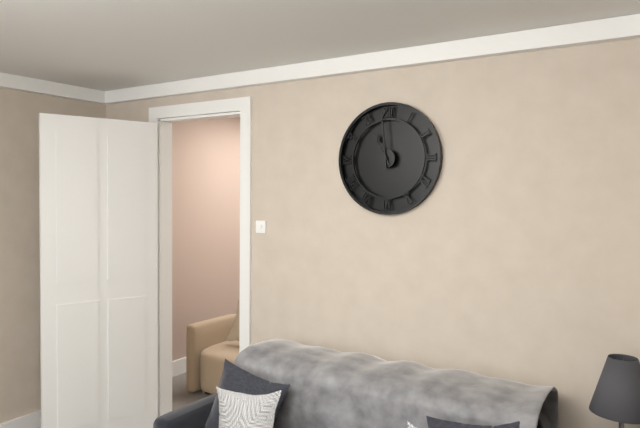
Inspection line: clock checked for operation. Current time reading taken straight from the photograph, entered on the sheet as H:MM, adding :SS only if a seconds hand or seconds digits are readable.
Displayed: 10:59
